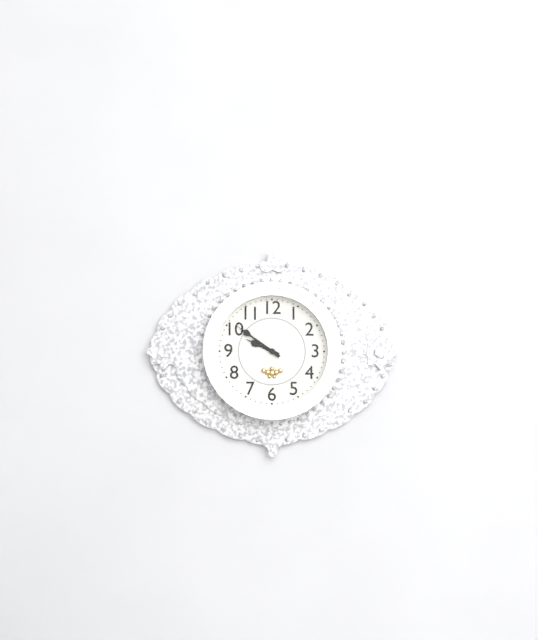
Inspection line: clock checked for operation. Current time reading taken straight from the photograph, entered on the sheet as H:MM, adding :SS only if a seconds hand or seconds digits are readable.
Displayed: 9:51
